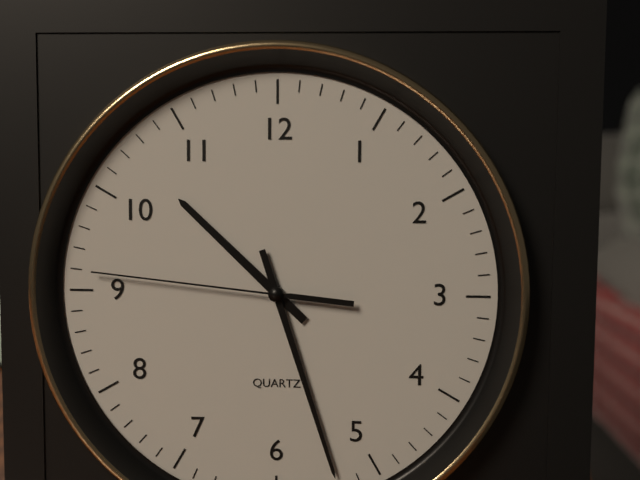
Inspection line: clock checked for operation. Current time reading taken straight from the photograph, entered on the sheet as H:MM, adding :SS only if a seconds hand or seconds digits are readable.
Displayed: 10:27:46
